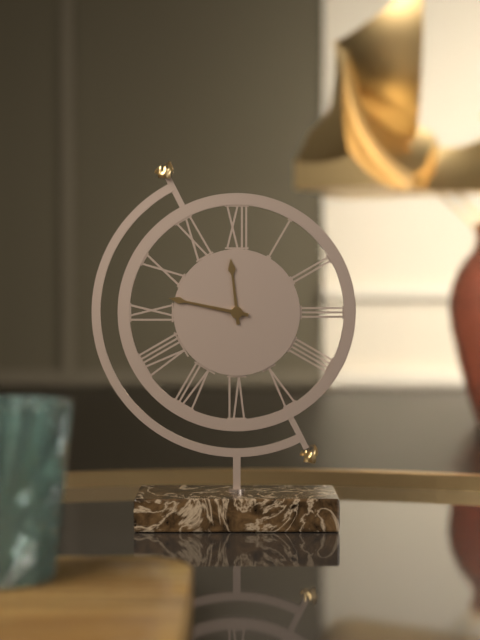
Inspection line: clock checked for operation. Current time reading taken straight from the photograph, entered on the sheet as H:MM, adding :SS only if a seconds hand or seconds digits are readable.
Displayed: 11:47
